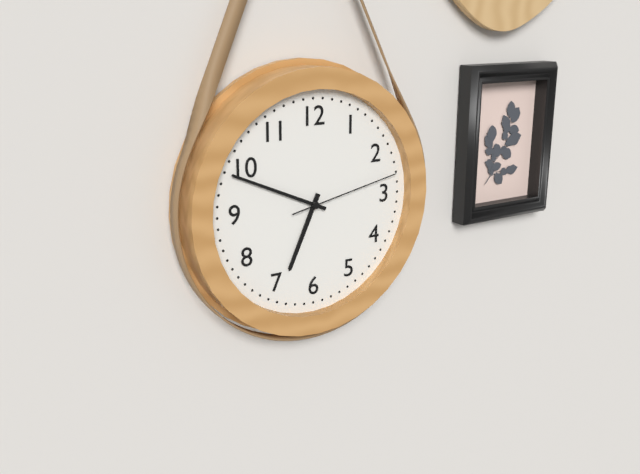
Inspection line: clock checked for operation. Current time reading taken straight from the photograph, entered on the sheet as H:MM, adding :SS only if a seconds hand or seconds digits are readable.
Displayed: 6:49:13
